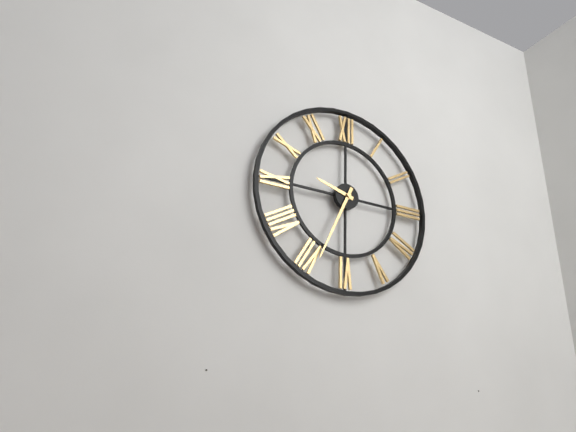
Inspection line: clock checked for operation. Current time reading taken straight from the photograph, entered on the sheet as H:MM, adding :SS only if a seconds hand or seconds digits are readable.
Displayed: 9:34
